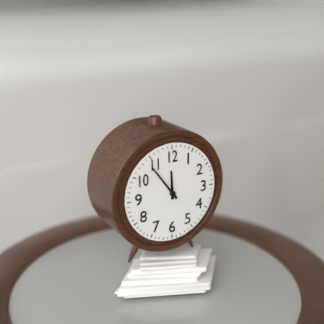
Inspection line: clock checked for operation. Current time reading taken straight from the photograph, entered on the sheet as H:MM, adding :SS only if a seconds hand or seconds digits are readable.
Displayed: 11:54
